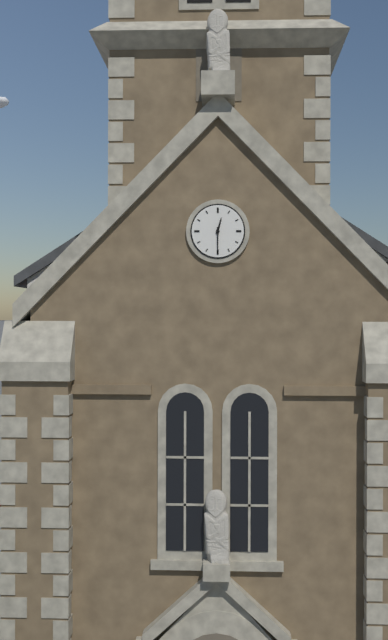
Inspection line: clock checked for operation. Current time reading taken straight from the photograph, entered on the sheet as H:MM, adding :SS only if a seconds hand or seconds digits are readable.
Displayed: 12:30
